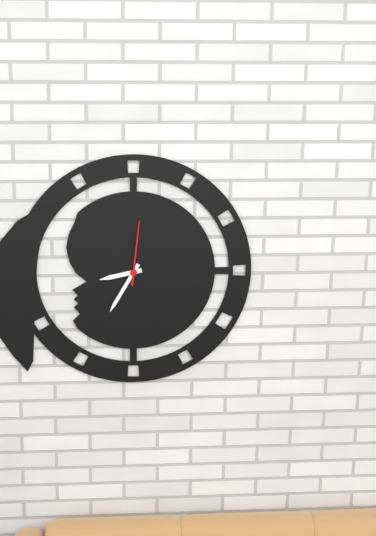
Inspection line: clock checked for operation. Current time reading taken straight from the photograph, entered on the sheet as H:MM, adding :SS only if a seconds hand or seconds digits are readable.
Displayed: 8:35:01
